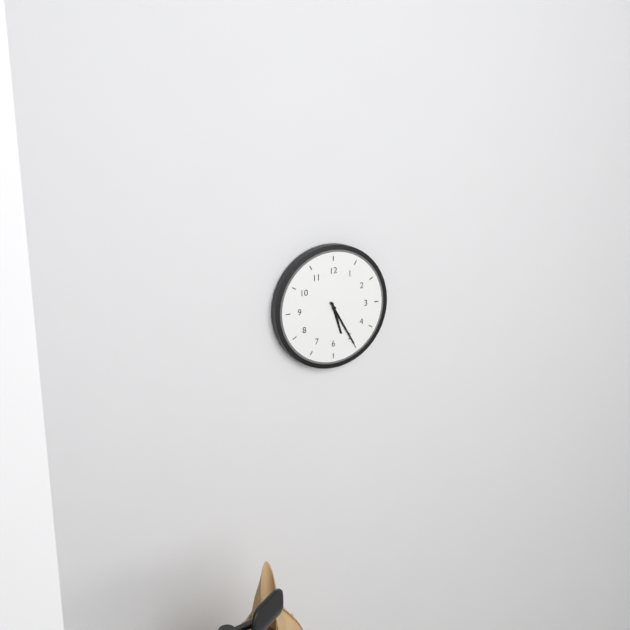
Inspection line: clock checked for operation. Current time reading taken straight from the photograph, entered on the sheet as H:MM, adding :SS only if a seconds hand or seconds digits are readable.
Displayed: 5:25
